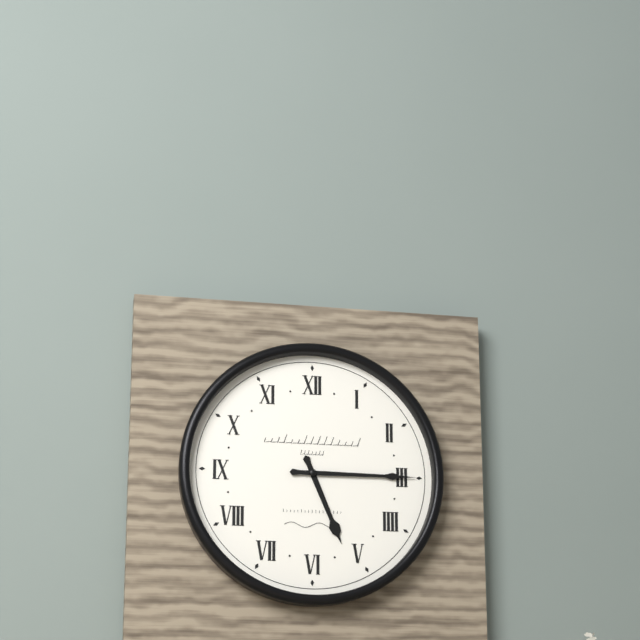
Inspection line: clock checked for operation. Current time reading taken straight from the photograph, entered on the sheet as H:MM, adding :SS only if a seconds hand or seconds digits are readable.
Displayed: 5:15
